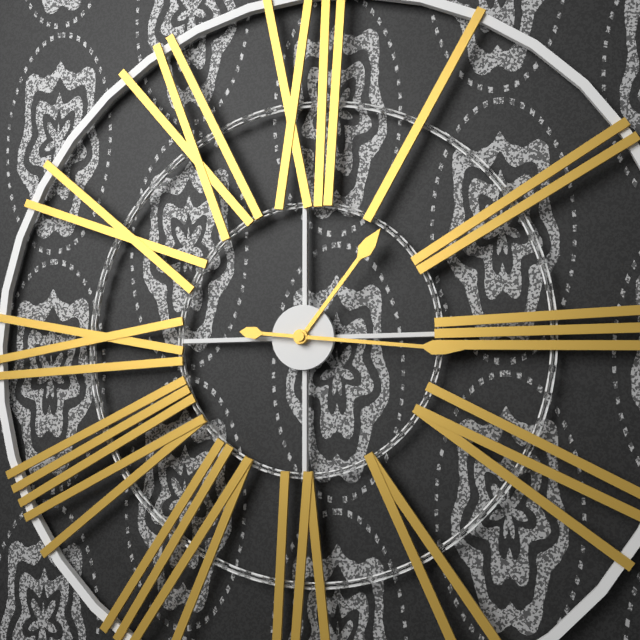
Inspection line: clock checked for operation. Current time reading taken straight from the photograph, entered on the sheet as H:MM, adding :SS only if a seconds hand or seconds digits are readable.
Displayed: 1:16
